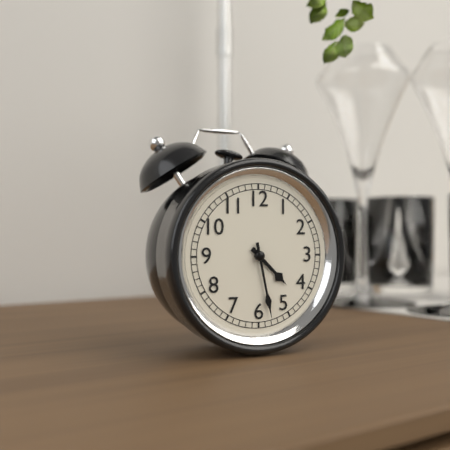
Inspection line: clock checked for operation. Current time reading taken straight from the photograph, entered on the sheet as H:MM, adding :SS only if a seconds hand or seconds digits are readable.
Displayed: 4:28
